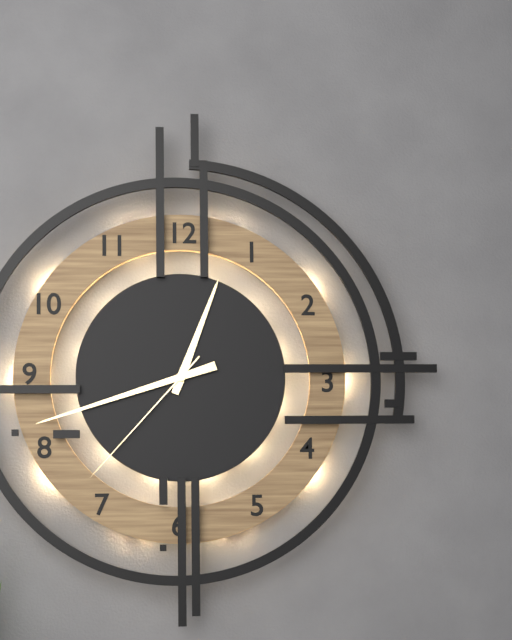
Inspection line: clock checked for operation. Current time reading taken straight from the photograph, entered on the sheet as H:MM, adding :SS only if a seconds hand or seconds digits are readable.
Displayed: 12:42:37
